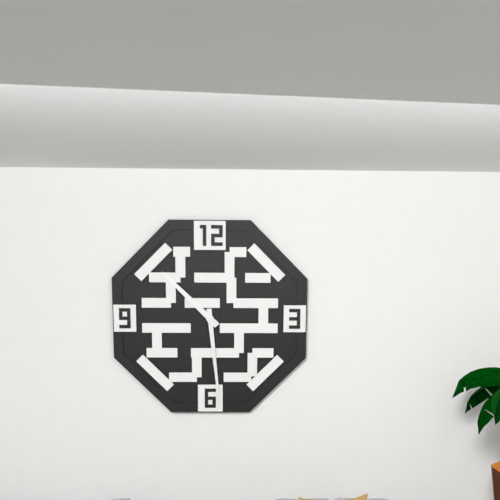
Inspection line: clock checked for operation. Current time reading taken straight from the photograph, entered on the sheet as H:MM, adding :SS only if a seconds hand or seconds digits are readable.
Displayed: 10:29
